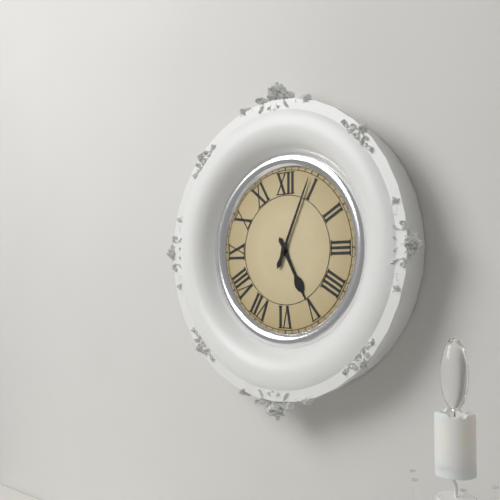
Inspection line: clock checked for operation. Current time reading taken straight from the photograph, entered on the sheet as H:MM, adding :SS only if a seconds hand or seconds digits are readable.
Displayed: 5:04
